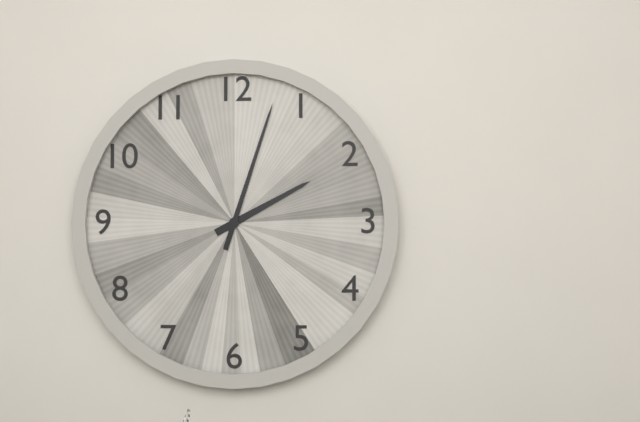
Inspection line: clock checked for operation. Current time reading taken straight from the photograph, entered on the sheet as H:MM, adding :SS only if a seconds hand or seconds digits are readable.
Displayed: 2:03
